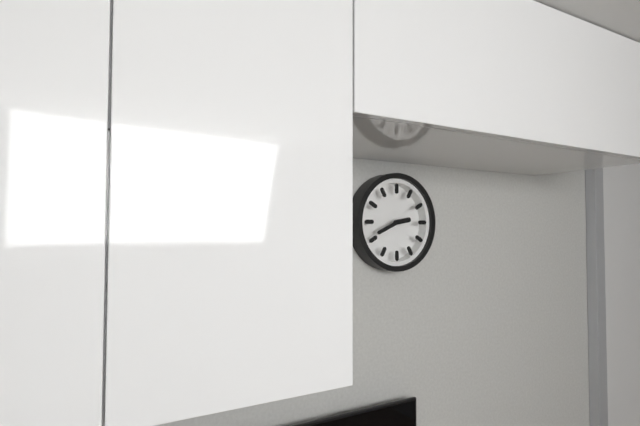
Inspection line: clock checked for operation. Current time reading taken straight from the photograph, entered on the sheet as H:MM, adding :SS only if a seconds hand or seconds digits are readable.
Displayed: 2:41
